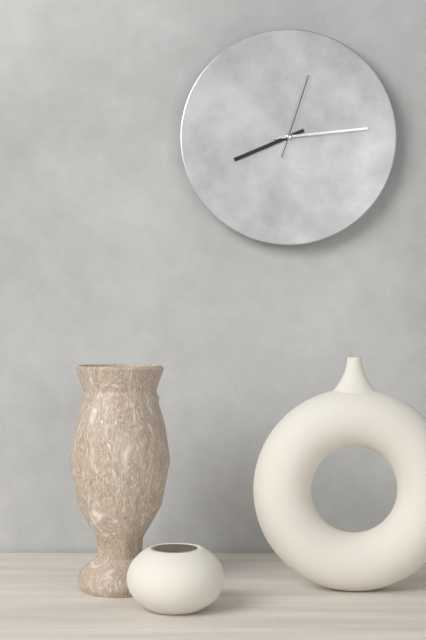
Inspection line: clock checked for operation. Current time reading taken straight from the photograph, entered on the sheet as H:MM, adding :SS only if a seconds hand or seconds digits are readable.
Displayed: 8:14:03
